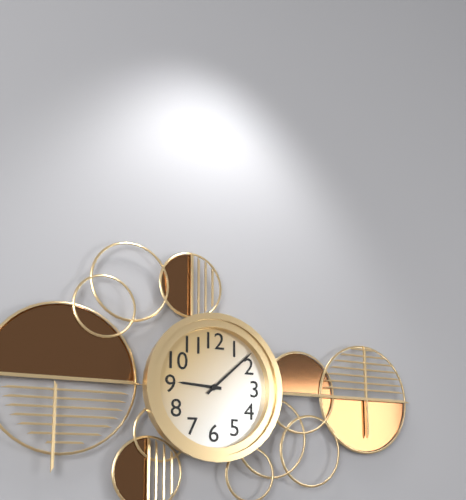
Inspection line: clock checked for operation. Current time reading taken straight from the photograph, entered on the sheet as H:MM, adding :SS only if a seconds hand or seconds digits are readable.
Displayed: 9:08
